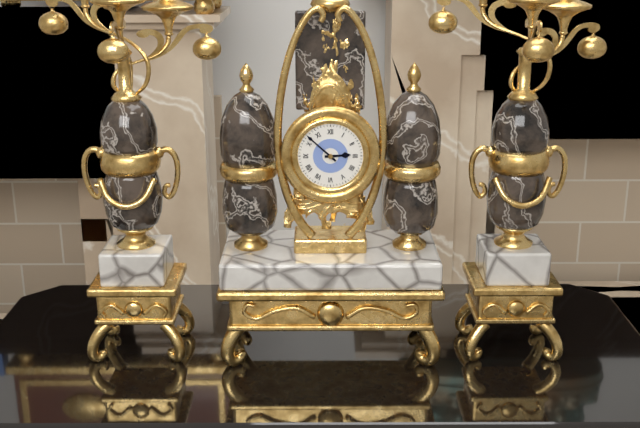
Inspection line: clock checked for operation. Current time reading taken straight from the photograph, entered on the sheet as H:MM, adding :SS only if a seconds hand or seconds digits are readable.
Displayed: 2:52
